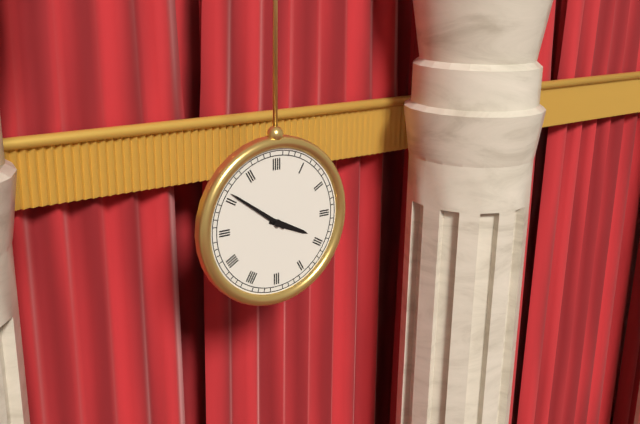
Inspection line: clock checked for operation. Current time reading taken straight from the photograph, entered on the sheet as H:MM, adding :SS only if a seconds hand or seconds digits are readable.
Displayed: 3:51
